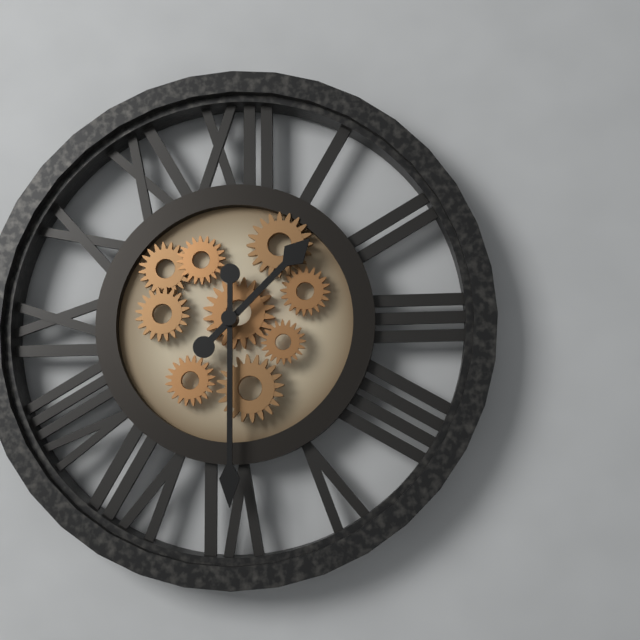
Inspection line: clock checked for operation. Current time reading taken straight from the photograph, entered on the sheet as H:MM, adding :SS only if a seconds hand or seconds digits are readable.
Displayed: 1:30
